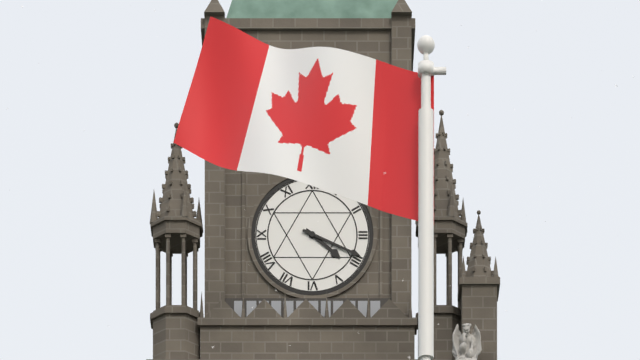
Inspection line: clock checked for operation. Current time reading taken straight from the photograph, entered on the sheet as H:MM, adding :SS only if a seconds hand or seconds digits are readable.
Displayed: 4:19
